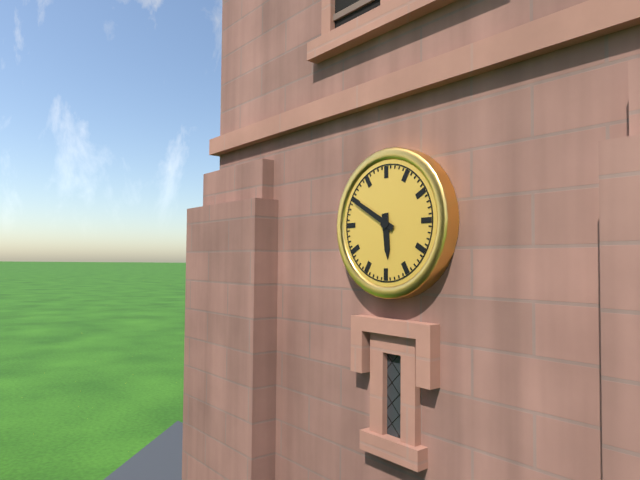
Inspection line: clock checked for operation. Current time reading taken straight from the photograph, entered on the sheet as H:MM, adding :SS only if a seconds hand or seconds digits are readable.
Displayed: 5:50
